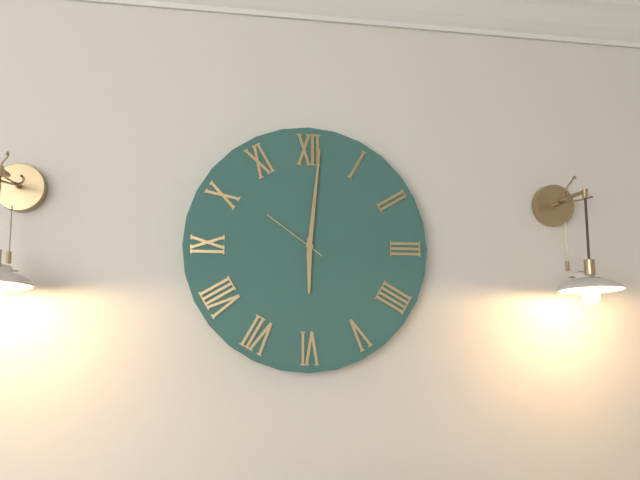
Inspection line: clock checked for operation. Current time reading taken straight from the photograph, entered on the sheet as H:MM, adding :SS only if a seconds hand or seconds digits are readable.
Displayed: 6:01:51
